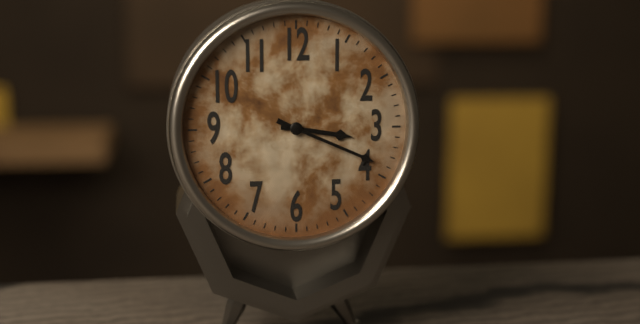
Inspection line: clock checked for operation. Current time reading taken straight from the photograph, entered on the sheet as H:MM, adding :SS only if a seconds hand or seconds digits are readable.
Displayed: 3:19
